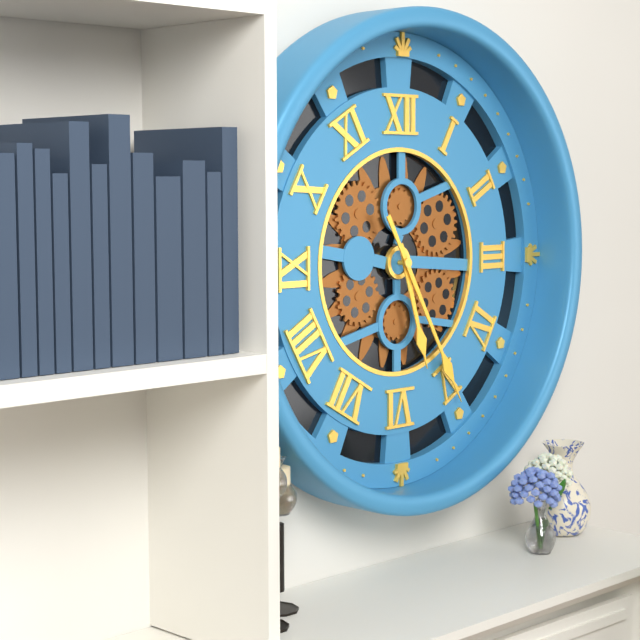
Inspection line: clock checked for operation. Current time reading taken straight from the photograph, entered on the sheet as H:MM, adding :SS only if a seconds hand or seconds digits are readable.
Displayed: 5:25
